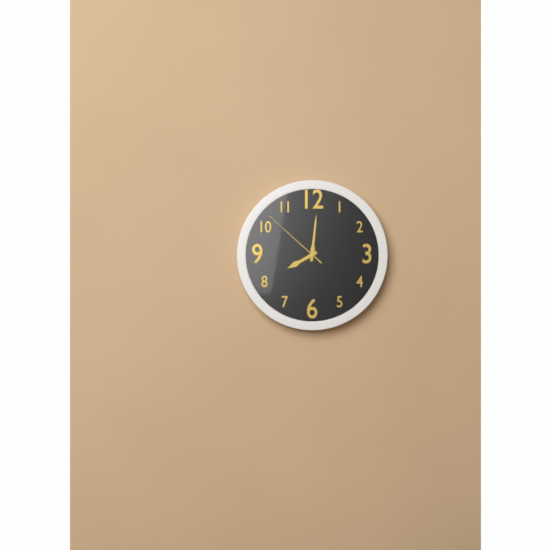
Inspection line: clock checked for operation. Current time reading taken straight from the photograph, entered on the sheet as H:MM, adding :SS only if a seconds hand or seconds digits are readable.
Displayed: 8:01:52
